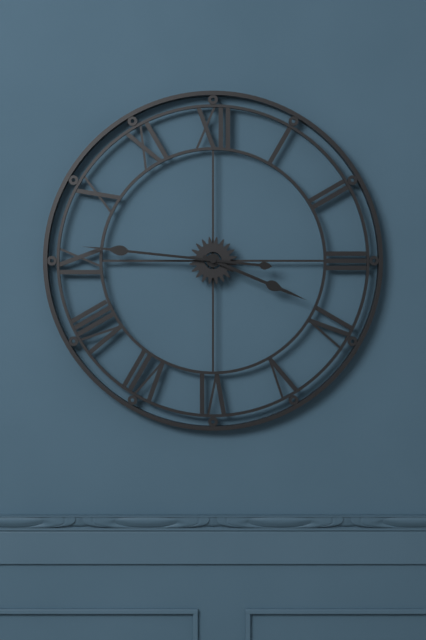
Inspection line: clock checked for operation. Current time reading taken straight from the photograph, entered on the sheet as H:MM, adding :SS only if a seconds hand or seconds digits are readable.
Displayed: 3:46
